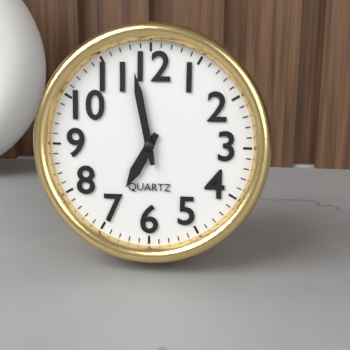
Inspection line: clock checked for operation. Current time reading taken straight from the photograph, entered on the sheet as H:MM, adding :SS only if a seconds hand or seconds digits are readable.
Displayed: 6:58
